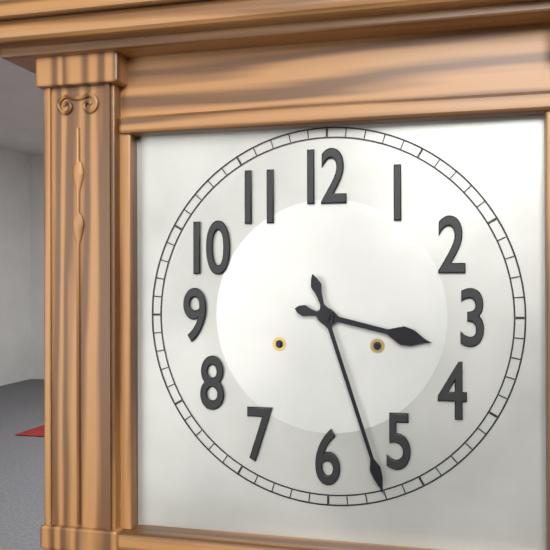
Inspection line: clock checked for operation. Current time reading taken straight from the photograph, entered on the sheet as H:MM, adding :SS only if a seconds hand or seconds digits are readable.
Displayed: 3:27
